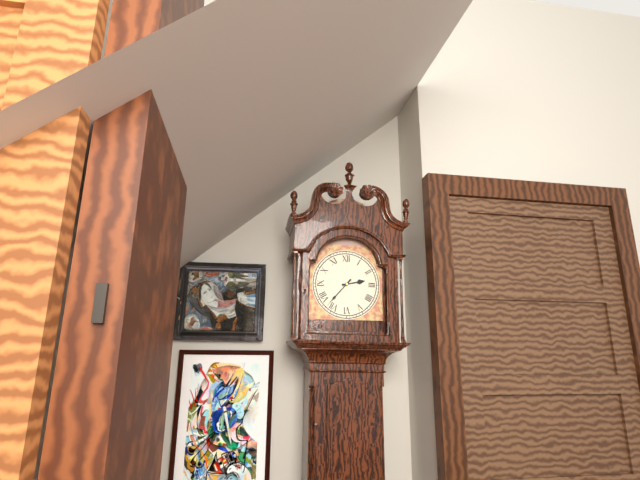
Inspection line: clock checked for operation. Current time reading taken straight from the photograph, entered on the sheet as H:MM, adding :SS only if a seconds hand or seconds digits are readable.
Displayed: 2:37
